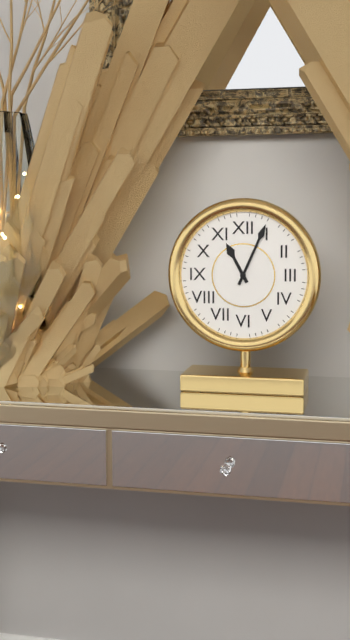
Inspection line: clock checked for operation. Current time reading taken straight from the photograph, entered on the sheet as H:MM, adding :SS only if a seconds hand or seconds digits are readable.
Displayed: 11:04
